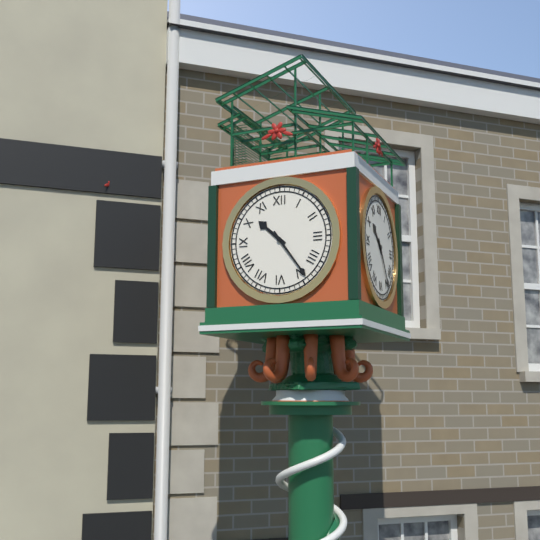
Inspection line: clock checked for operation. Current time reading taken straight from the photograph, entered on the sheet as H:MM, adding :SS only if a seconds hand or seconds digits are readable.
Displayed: 10:24
